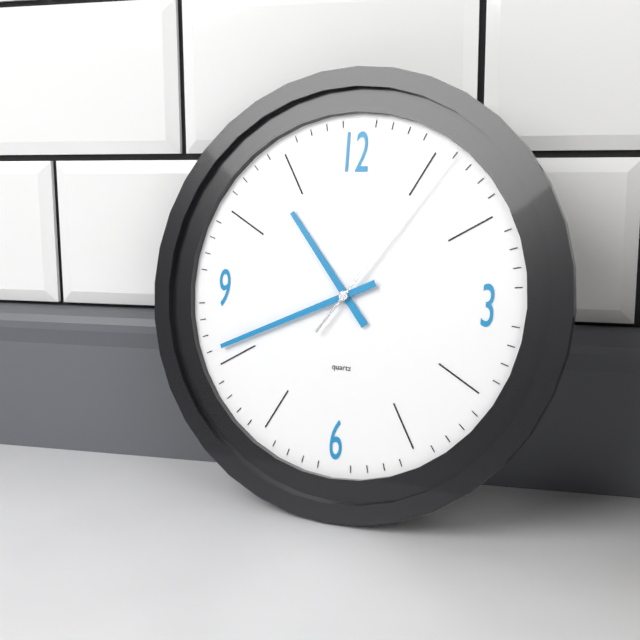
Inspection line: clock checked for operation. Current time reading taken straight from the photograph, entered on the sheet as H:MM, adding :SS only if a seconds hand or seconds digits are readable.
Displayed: 10:41:06
